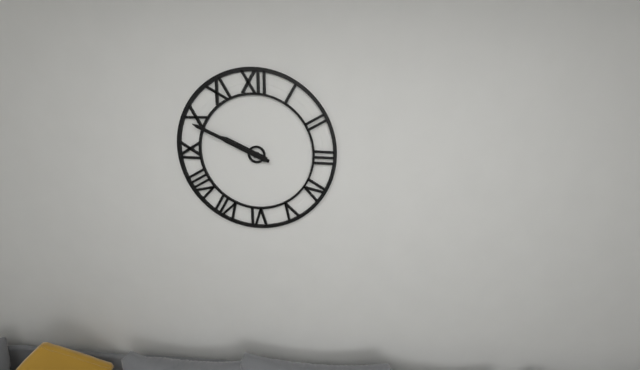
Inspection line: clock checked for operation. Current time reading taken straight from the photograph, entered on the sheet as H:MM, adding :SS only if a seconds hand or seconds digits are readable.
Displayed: 9:49
